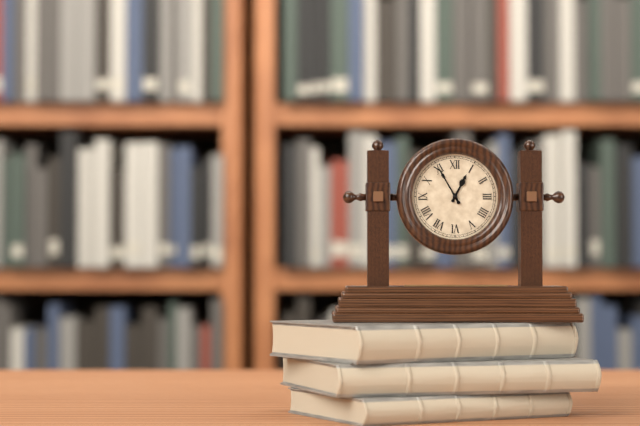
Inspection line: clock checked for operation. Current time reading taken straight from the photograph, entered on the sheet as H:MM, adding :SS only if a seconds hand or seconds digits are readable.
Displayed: 12:55
